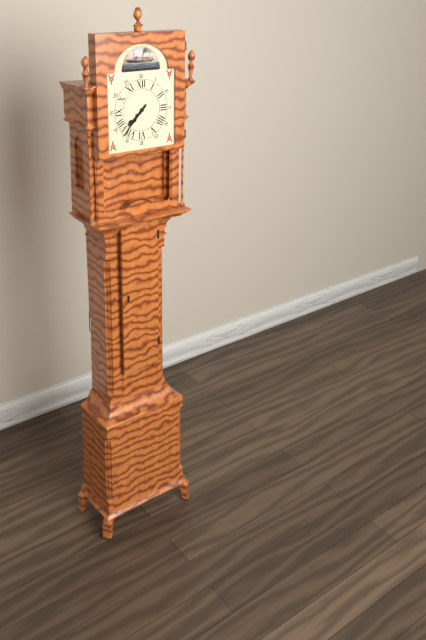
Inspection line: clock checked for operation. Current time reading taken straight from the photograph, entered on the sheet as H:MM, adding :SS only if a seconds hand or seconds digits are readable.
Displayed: 7:37
